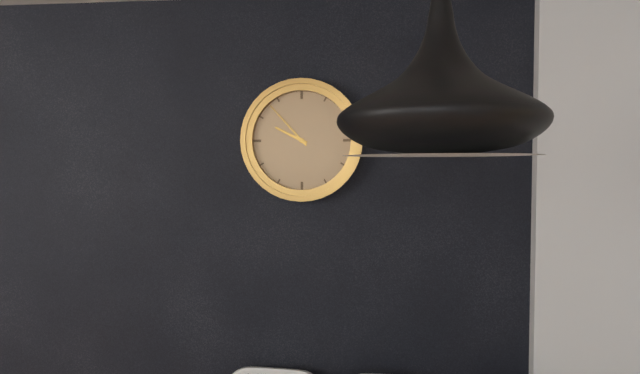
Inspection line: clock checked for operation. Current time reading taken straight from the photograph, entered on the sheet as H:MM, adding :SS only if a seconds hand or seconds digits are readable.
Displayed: 9:53
